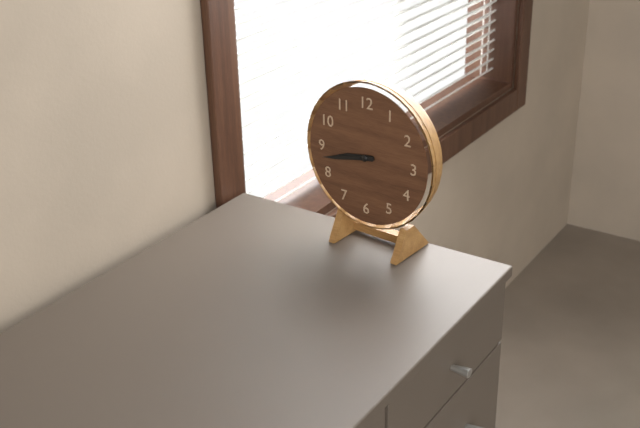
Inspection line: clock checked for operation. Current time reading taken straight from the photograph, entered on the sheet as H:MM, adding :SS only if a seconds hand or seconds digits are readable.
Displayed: 8:43
